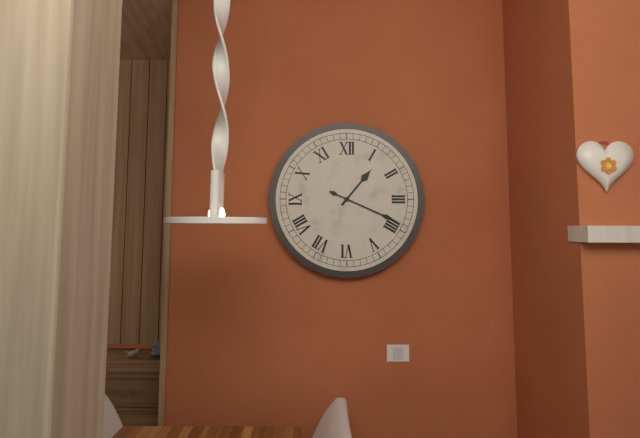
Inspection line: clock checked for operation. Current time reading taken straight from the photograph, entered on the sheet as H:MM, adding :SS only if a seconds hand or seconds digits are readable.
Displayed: 1:19
